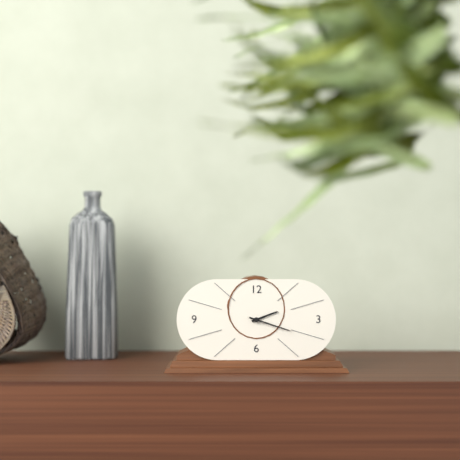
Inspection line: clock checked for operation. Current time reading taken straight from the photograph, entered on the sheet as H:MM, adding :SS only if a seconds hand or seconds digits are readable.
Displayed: 2:18
